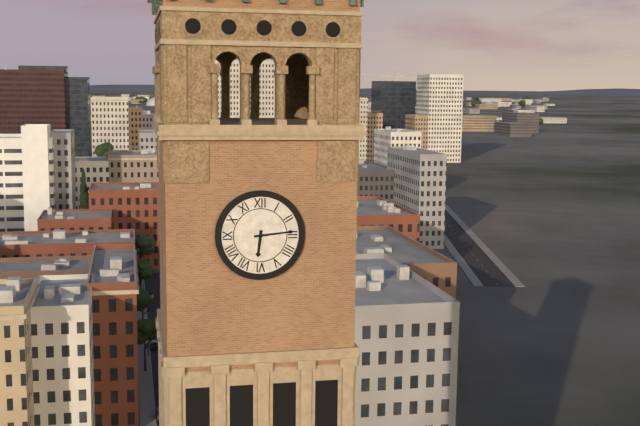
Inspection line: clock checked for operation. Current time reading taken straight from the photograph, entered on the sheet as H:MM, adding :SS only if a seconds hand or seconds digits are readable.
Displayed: 6:14
